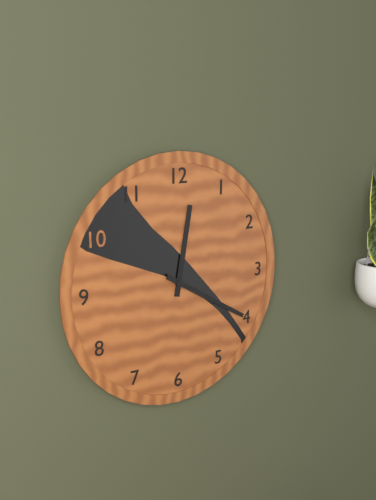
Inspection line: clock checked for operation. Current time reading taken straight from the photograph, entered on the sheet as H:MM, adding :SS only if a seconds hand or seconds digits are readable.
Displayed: 12:20
